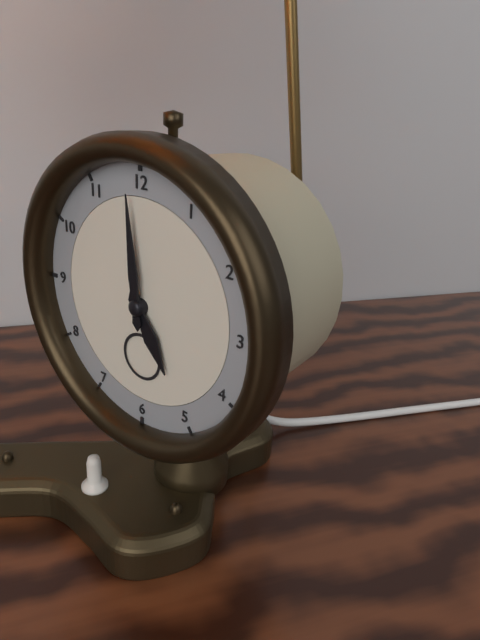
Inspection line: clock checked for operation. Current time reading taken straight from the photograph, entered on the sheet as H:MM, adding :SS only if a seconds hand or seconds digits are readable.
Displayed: 4:59
